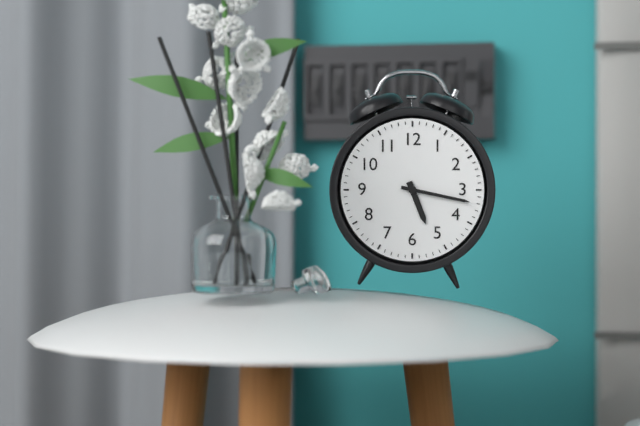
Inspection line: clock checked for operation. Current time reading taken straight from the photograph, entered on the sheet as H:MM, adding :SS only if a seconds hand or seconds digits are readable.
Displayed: 5:17
